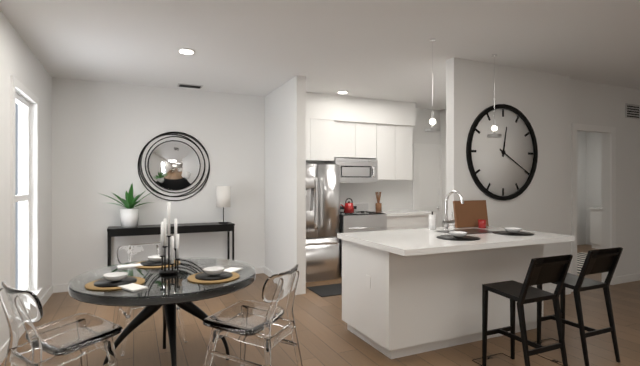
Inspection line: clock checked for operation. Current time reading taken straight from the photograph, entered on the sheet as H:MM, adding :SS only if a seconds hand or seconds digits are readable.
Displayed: 12:20
